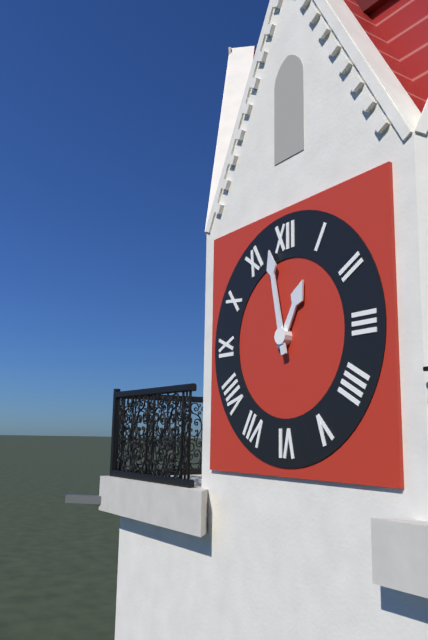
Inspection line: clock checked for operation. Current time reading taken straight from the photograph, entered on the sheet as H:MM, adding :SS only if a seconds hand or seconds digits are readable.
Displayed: 12:58
